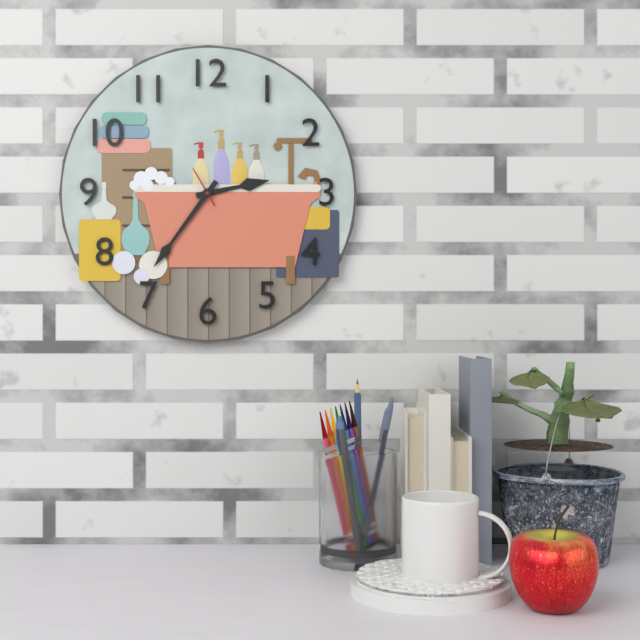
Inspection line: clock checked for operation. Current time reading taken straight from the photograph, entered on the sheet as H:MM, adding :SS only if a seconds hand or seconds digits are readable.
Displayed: 2:36
